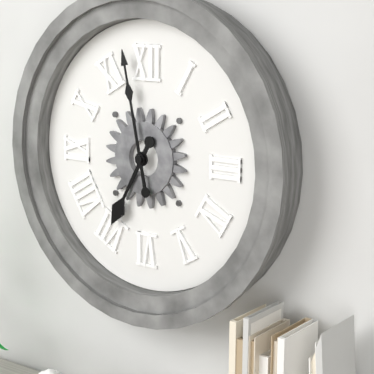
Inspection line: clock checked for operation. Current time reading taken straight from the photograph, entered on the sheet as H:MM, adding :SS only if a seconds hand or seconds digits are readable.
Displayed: 6:58
